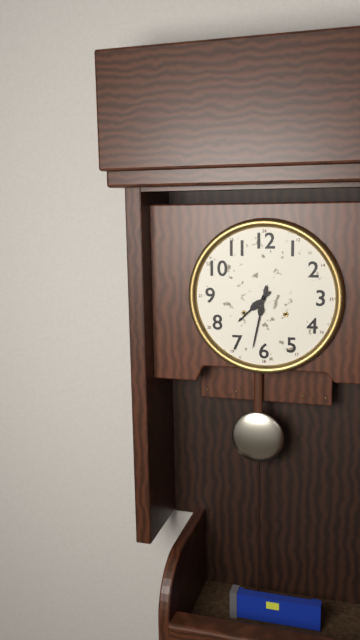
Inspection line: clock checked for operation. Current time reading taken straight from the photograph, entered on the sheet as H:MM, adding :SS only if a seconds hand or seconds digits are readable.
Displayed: 7:32
